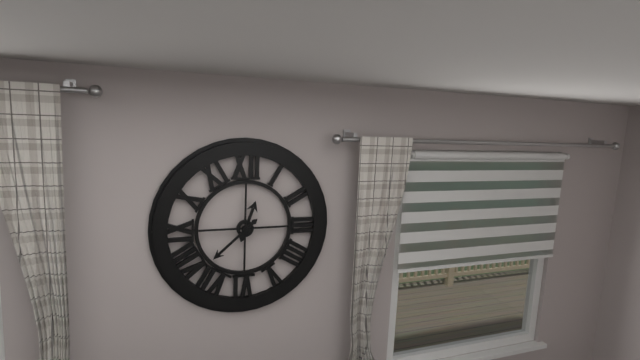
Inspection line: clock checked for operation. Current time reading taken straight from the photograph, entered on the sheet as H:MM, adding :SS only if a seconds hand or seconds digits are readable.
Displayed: 12:38
